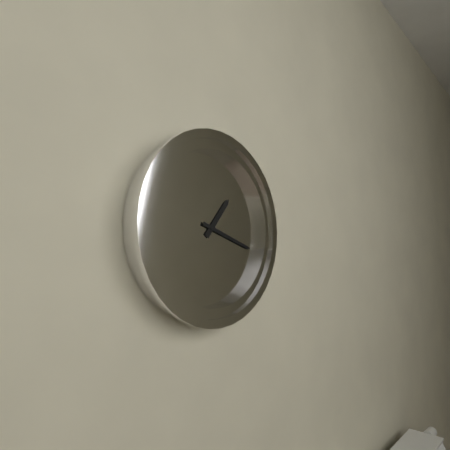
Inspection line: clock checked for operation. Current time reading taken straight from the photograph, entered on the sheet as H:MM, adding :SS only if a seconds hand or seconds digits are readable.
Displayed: 1:18
